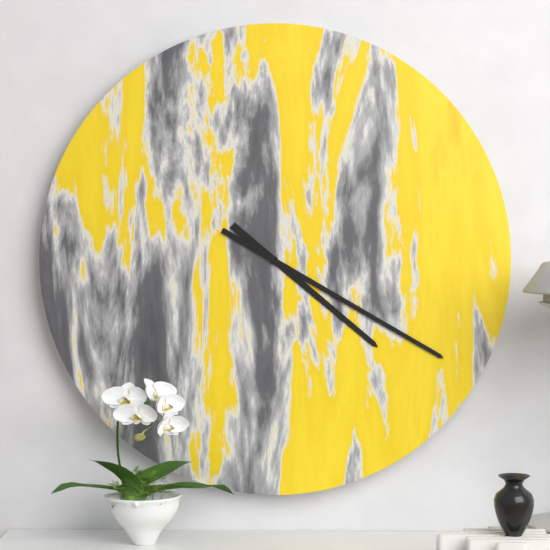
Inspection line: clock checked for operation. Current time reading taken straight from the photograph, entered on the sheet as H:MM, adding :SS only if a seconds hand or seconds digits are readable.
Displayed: 4:20
